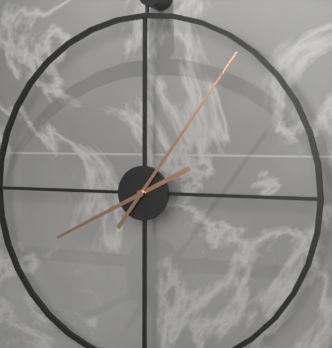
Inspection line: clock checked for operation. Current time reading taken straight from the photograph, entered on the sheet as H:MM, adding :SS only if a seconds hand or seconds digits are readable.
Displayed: 8:06
